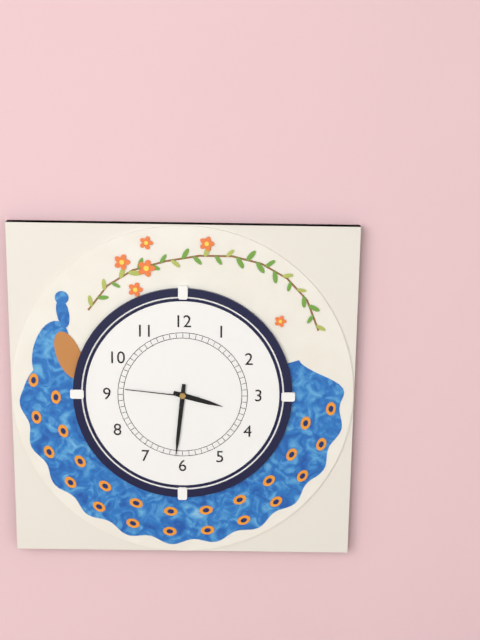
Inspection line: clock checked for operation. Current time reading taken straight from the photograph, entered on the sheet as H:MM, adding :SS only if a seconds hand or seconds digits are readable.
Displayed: 3:31:46
